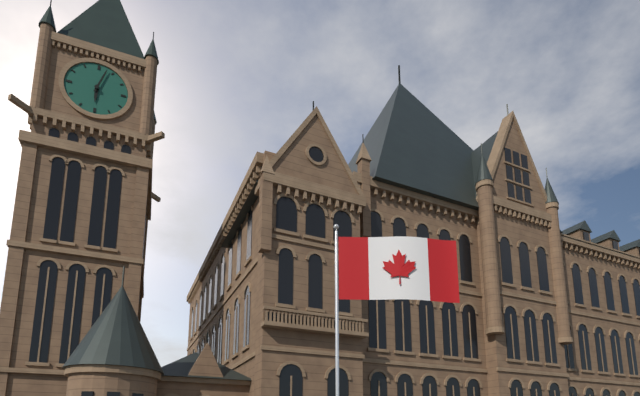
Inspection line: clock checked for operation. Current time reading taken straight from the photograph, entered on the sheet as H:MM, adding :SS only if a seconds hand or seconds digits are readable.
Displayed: 6:03
